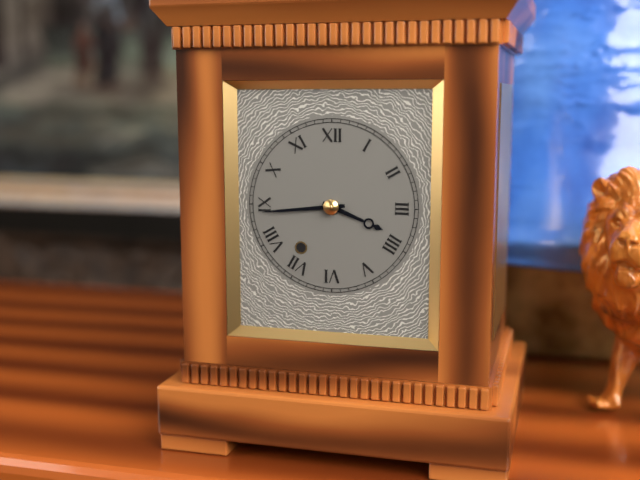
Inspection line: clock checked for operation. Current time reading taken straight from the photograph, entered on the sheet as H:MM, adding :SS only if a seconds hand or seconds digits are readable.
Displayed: 3:44
